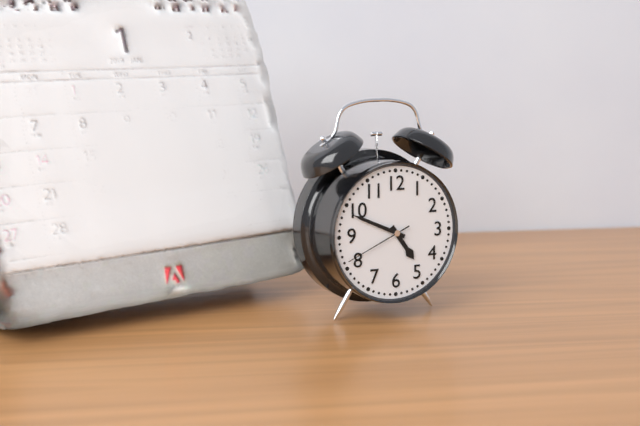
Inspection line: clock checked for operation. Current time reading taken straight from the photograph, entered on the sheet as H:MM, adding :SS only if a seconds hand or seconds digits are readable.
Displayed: 4:49:41
